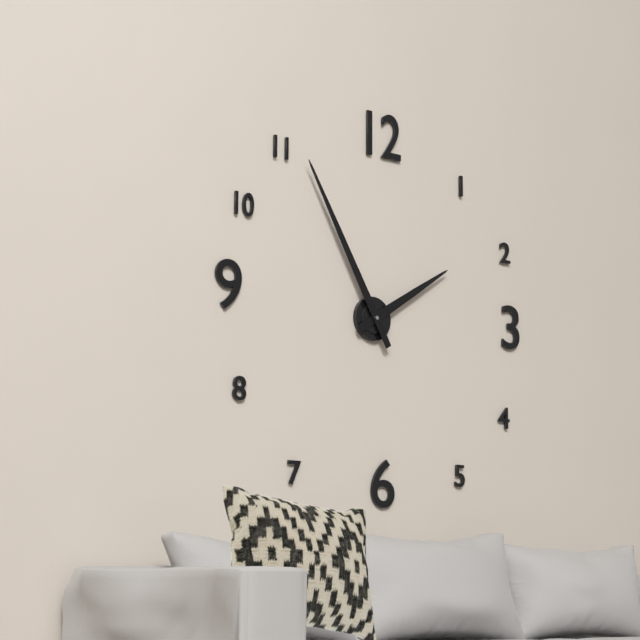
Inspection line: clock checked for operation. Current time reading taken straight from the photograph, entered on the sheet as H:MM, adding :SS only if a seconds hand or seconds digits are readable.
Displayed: 1:55
